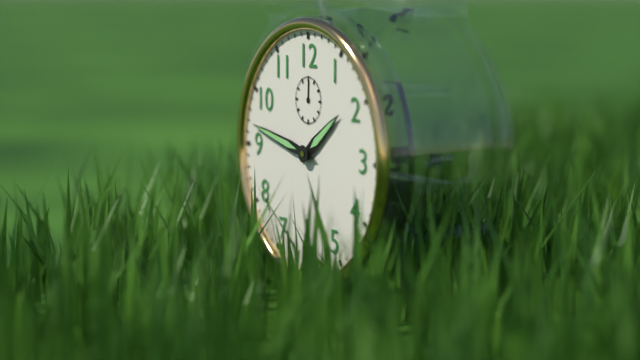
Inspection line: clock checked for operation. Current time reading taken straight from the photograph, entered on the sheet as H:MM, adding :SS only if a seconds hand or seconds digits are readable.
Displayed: 1:47
